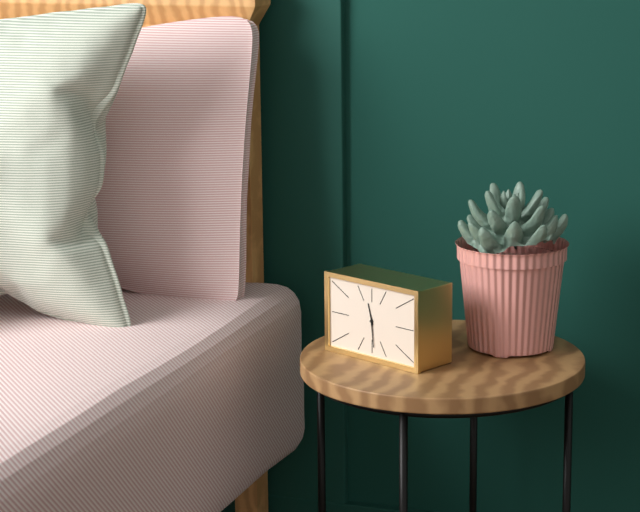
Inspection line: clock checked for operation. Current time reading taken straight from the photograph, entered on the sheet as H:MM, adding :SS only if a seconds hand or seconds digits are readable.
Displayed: 11:29
